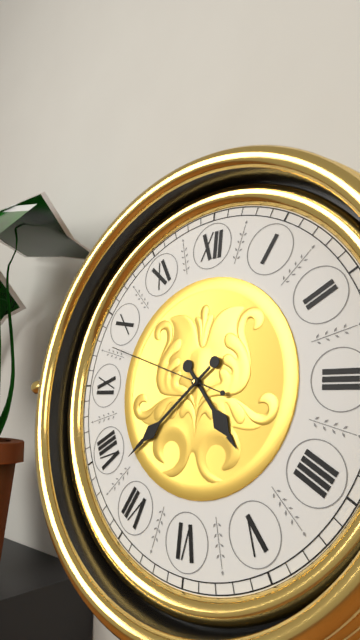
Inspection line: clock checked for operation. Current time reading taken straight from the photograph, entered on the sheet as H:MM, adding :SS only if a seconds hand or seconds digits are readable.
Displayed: 4:38:48
